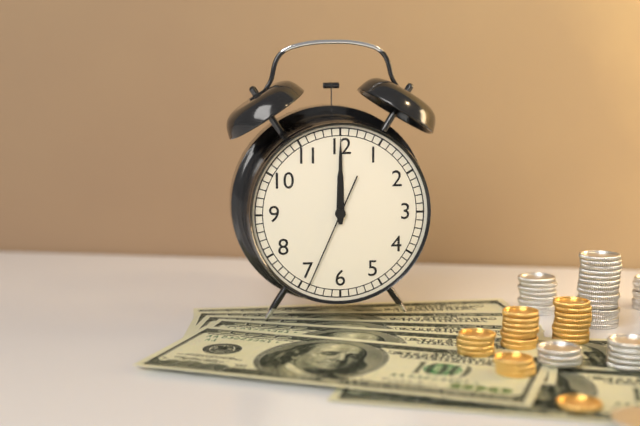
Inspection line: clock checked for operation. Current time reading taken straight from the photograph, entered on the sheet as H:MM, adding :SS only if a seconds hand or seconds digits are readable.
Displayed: 12:00:34
